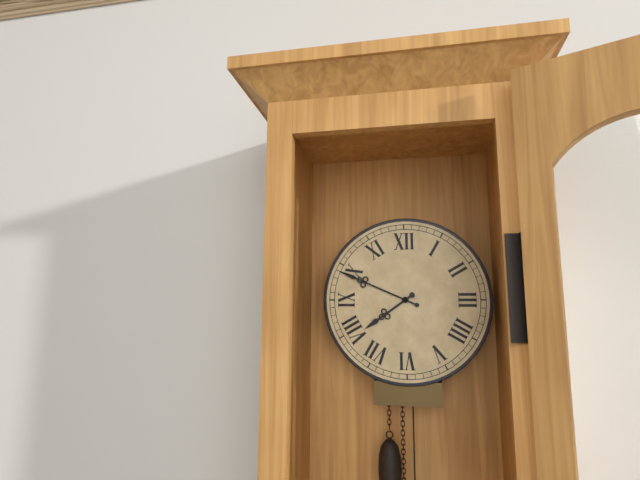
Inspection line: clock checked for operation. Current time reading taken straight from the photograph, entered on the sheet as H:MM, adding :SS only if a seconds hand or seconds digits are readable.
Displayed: 7:49
